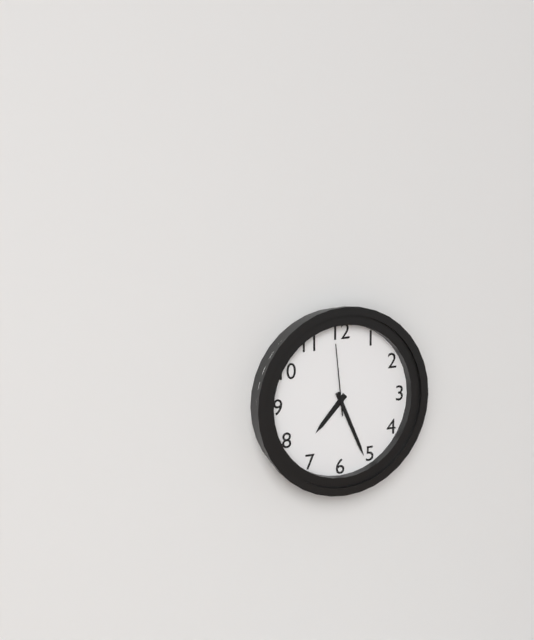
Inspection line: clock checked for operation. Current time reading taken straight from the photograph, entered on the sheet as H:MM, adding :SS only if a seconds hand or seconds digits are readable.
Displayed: 7:26:59
